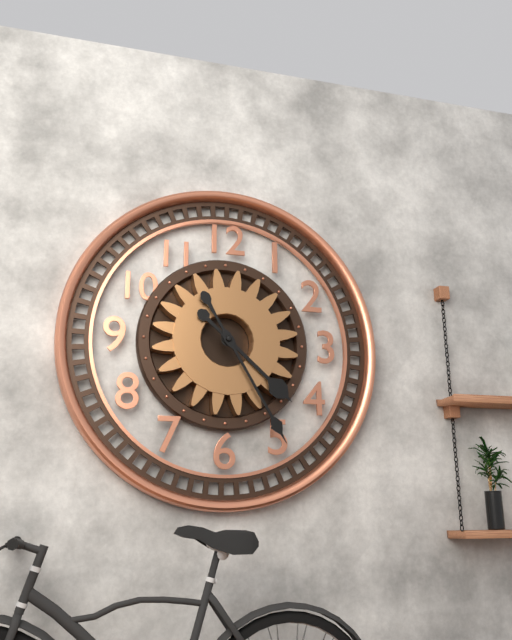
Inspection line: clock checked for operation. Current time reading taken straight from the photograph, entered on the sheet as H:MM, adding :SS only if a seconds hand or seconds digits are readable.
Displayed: 4:25
